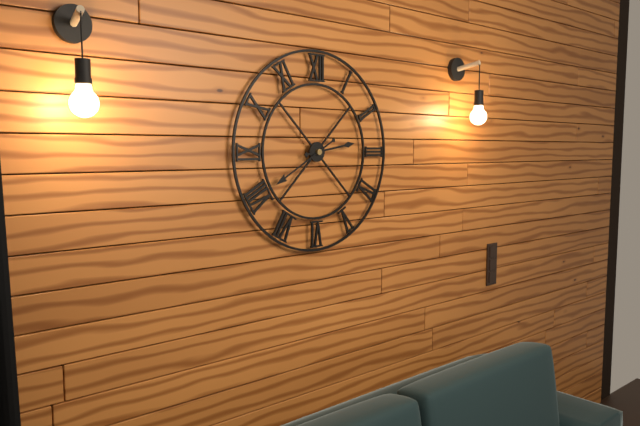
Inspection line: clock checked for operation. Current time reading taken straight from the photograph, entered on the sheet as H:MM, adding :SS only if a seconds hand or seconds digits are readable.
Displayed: 2:40
